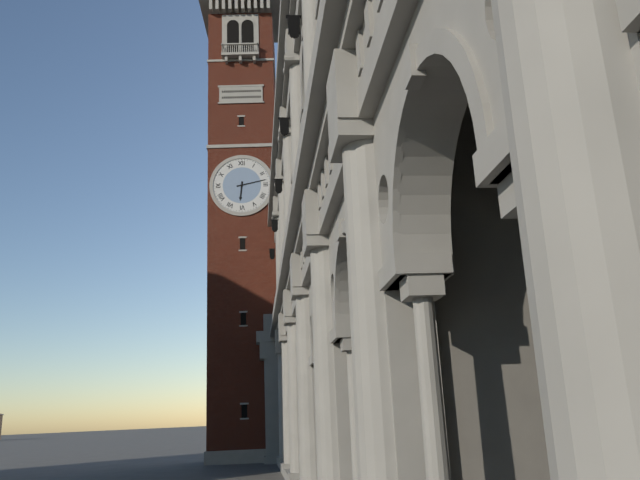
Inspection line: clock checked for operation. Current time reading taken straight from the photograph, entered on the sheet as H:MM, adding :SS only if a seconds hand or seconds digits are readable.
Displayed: 6:13
